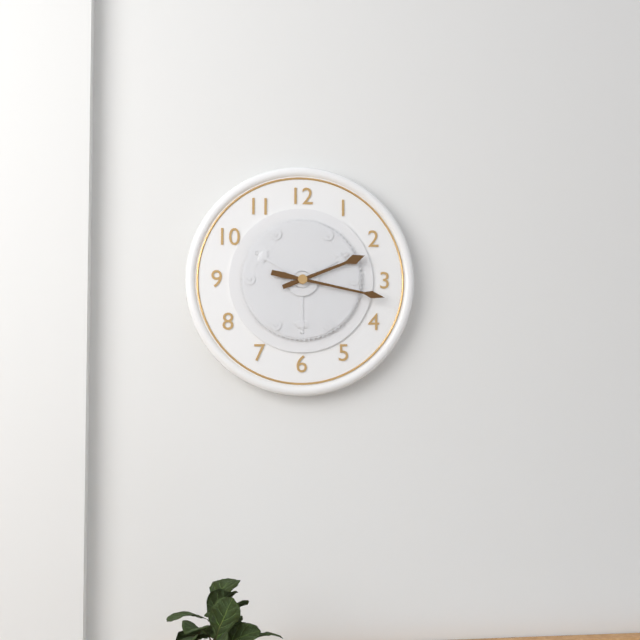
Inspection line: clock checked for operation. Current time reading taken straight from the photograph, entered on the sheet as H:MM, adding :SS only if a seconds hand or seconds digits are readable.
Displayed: 2:17
